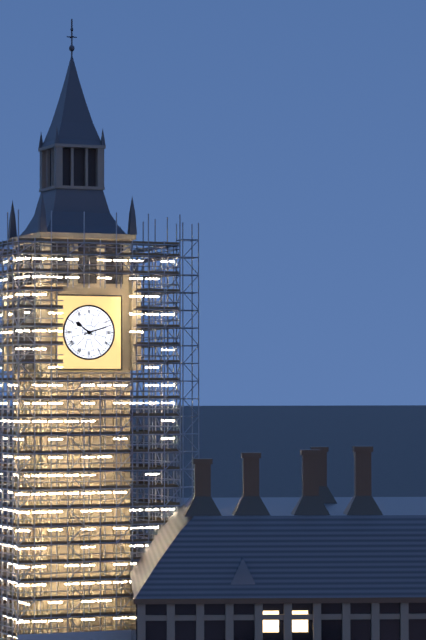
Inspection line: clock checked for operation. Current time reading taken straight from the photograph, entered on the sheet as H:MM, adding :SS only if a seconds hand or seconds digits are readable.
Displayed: 10:12
